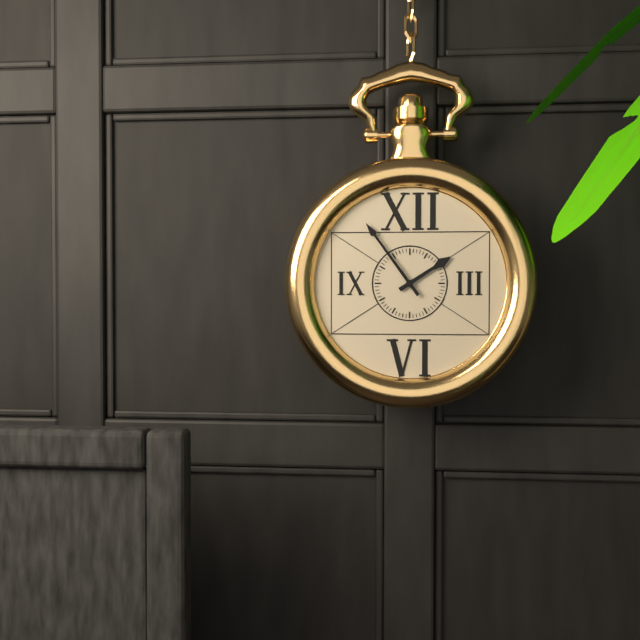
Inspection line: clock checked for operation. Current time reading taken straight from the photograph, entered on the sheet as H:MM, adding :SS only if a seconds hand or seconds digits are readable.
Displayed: 1:54
